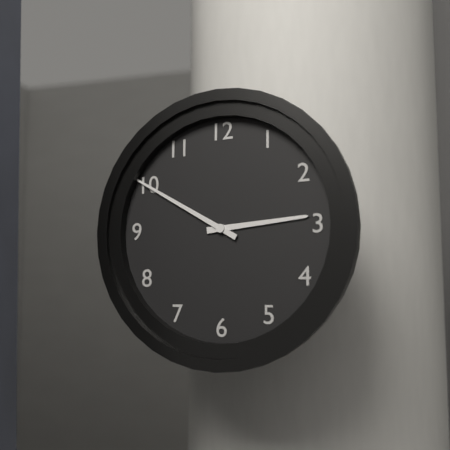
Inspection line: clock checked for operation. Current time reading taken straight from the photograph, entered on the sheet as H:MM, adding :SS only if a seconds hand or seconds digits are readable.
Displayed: 2:50
